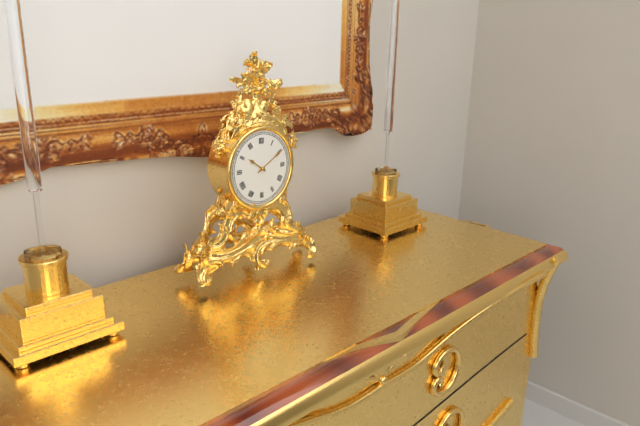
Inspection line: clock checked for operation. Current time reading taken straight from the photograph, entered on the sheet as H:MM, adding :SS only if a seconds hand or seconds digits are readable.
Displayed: 10:10
